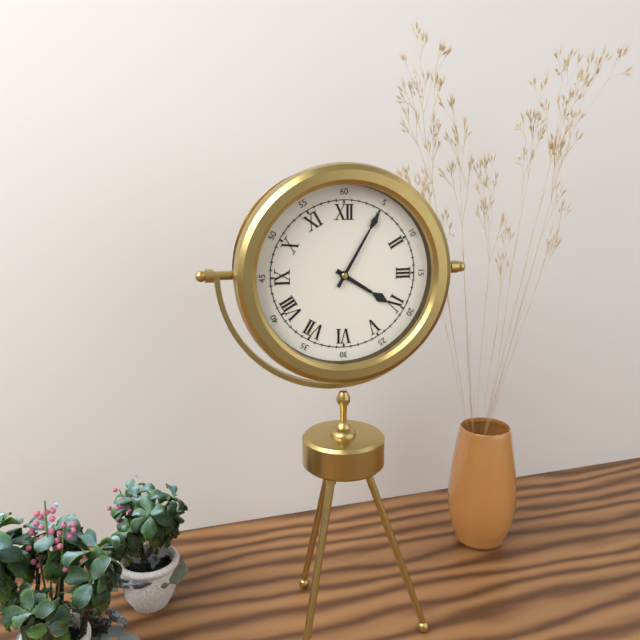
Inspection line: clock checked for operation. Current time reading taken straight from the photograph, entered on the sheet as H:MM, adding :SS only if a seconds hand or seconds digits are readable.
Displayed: 4:05
